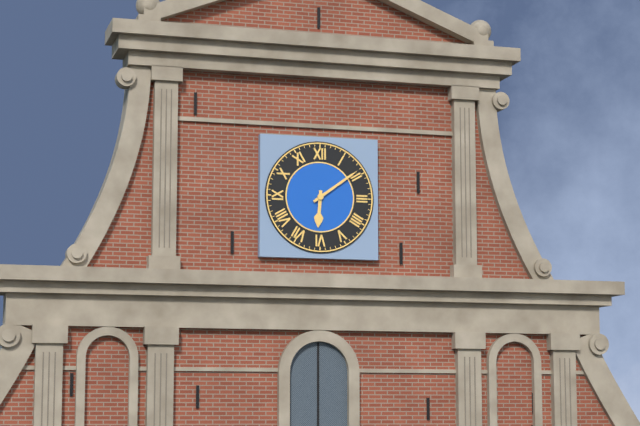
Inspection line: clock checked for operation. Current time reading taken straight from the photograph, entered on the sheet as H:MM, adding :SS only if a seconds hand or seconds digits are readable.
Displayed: 6:09
